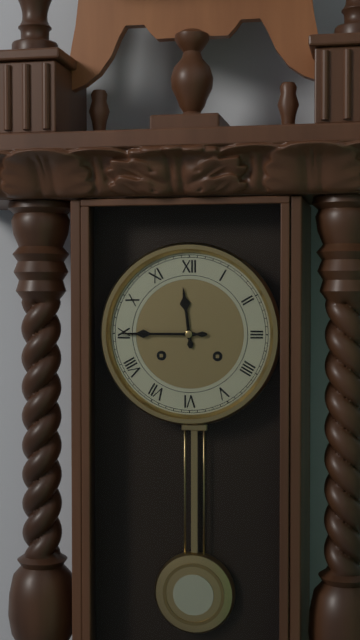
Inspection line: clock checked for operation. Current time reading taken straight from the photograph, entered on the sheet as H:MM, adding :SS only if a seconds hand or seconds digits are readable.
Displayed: 11:45
